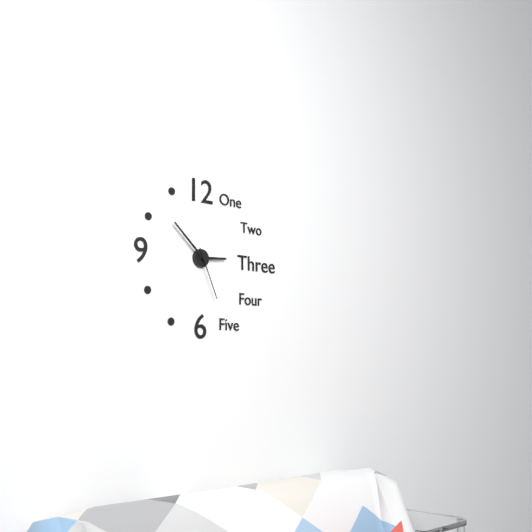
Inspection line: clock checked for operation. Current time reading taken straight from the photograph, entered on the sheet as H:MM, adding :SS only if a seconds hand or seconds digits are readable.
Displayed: 2:52:26
